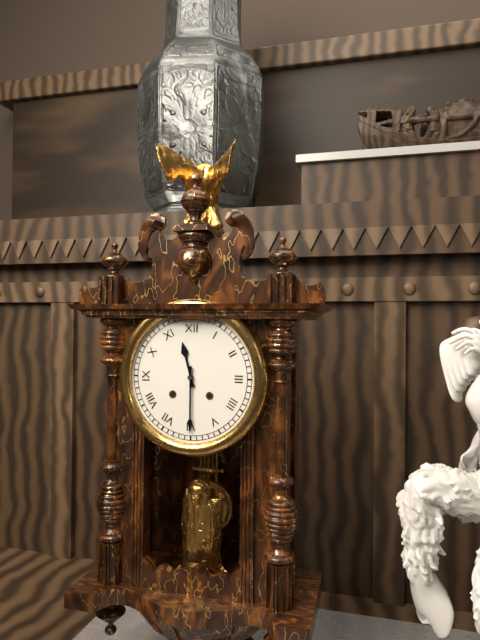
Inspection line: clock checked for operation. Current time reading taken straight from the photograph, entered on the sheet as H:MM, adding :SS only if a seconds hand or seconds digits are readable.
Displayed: 11:30
